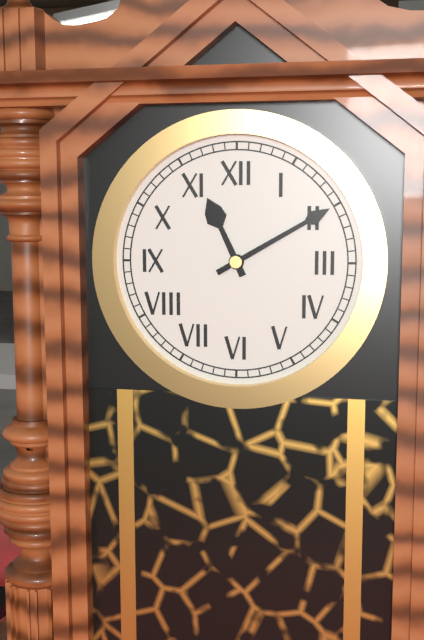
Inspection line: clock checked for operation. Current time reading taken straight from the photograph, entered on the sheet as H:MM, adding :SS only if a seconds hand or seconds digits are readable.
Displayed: 11:10
